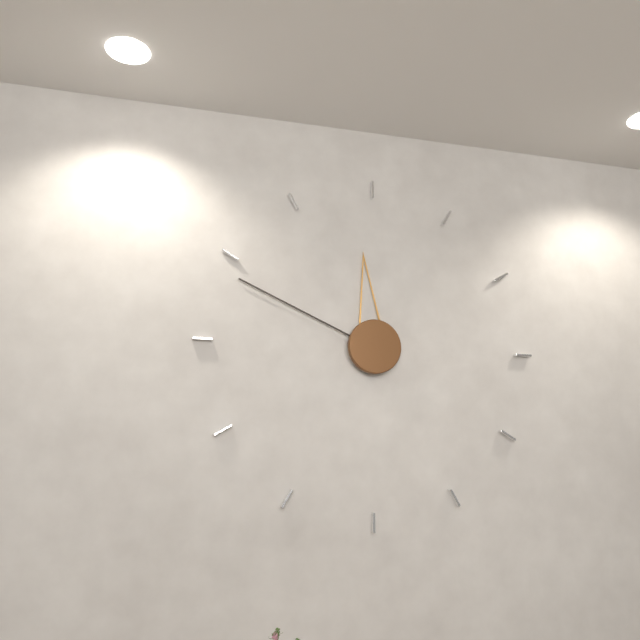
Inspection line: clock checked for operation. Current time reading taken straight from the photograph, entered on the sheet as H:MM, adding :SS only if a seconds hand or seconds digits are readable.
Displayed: 11:49
